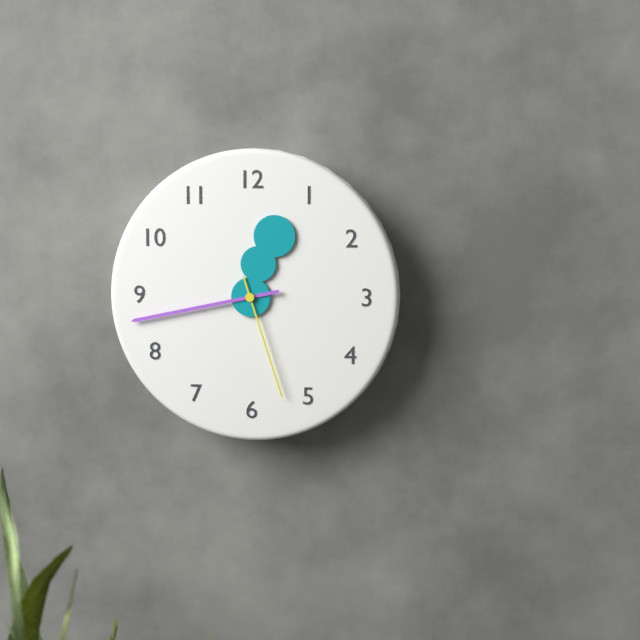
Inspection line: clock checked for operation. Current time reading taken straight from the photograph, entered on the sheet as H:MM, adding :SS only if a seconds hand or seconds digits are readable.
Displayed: 12:43:27
